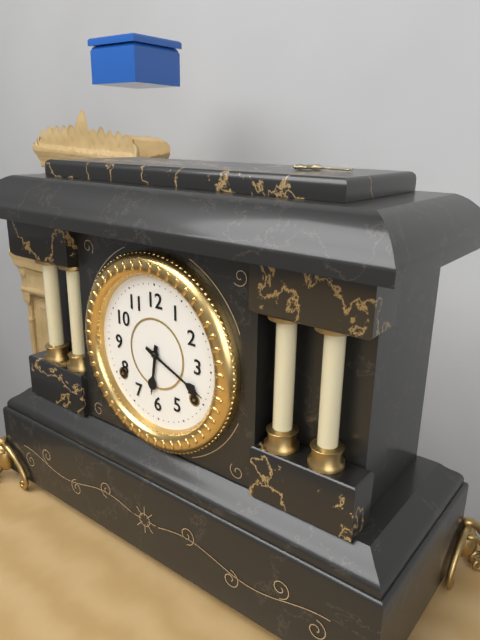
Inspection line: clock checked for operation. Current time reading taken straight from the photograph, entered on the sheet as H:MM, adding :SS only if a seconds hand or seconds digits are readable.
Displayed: 6:19
